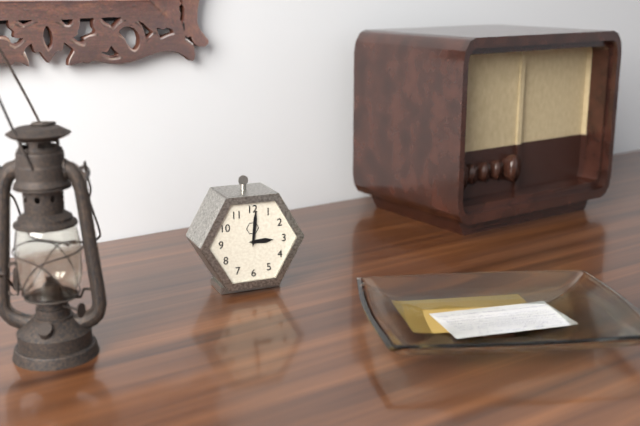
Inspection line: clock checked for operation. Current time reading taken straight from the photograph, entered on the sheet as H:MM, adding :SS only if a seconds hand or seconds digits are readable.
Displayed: 3:01
